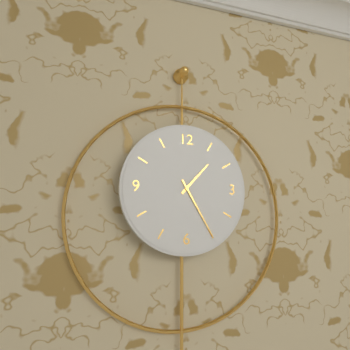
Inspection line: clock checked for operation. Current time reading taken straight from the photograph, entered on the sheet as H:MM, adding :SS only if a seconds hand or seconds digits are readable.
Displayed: 1:25
